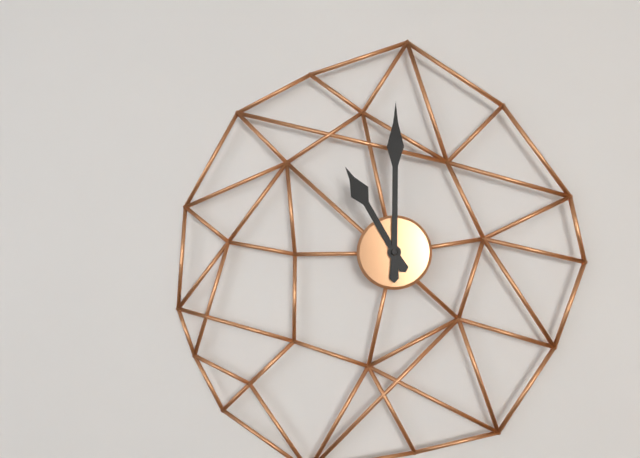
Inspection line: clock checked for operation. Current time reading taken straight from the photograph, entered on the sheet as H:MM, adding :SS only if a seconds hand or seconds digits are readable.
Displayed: 11:00
